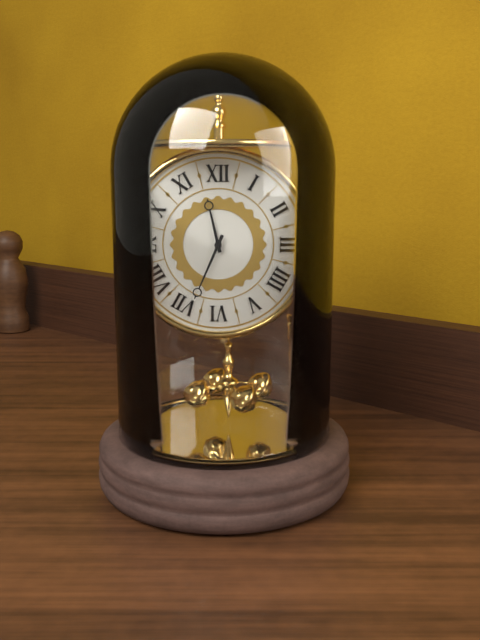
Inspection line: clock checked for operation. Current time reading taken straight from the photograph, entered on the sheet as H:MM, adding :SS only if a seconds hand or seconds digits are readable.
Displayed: 11:34
